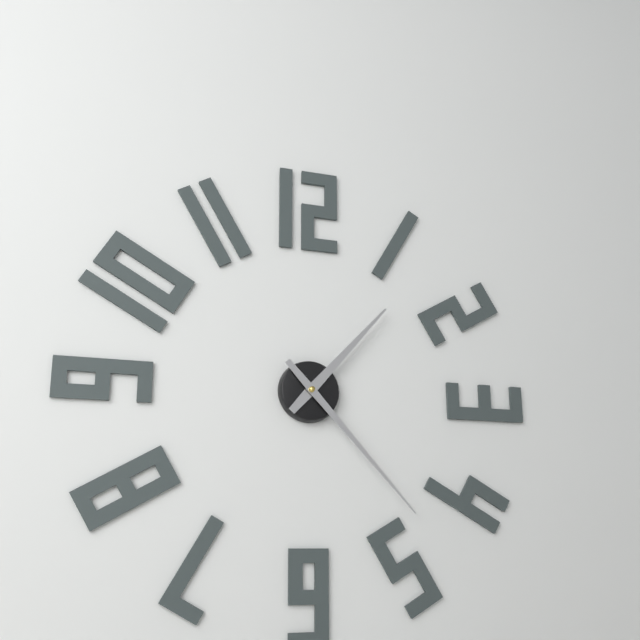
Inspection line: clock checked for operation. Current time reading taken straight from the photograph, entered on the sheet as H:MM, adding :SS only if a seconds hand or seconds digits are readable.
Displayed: 1:23
